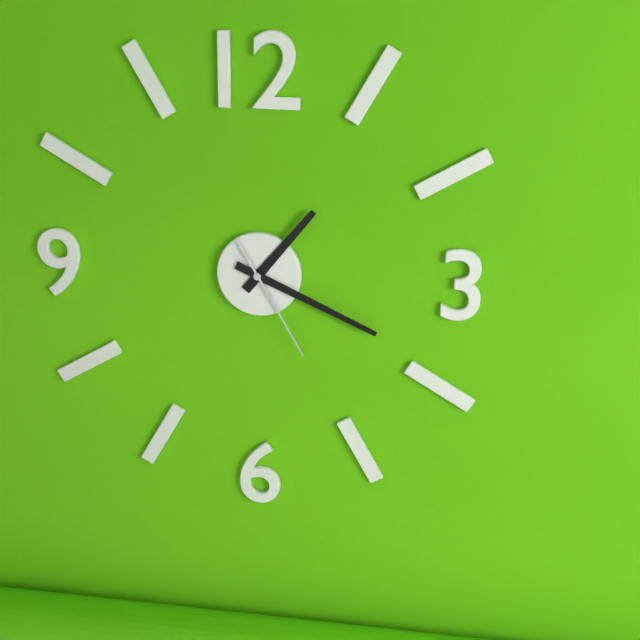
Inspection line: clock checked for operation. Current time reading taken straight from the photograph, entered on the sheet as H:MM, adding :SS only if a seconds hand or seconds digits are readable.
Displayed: 1:19:25
